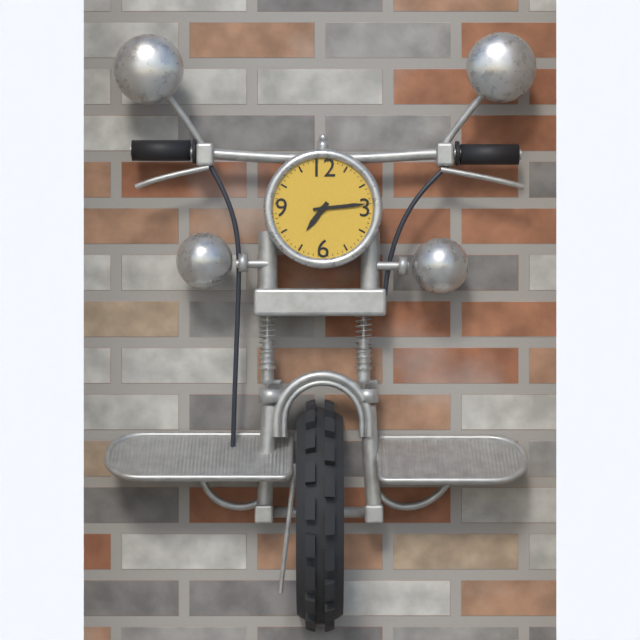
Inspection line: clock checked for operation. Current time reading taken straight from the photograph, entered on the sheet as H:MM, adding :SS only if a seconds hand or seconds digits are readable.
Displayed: 7:14
